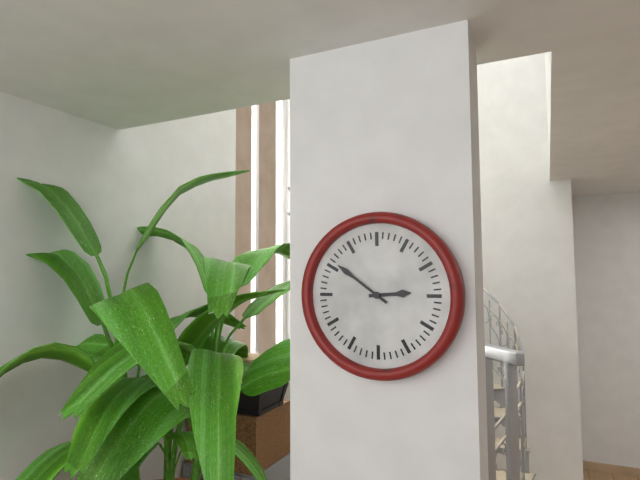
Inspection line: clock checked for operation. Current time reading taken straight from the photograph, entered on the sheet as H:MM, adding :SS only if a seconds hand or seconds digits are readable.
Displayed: 2:51
